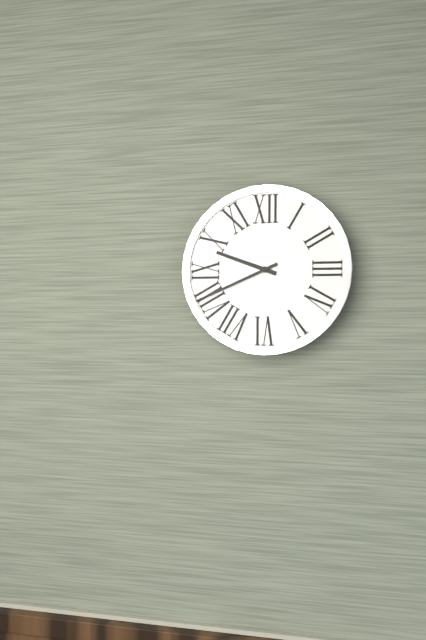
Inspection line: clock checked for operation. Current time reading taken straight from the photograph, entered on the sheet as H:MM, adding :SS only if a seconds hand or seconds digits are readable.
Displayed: 9:41
